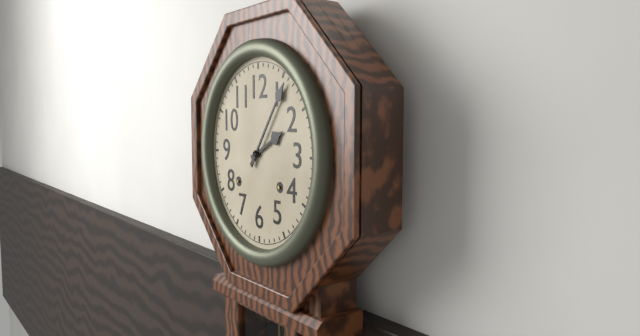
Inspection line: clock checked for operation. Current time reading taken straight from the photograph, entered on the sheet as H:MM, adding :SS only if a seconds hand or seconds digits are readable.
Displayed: 2:06
